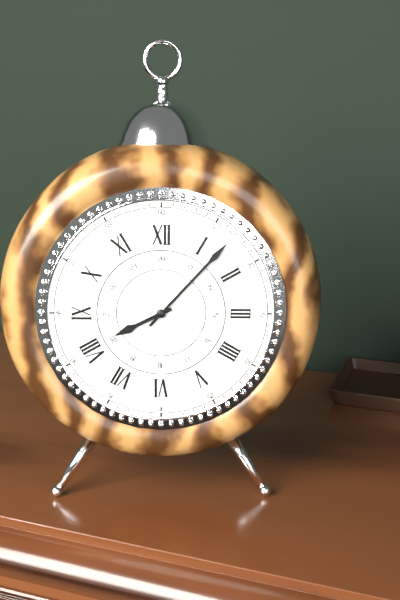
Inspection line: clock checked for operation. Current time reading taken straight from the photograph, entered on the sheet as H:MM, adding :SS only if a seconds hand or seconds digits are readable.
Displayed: 8:07
